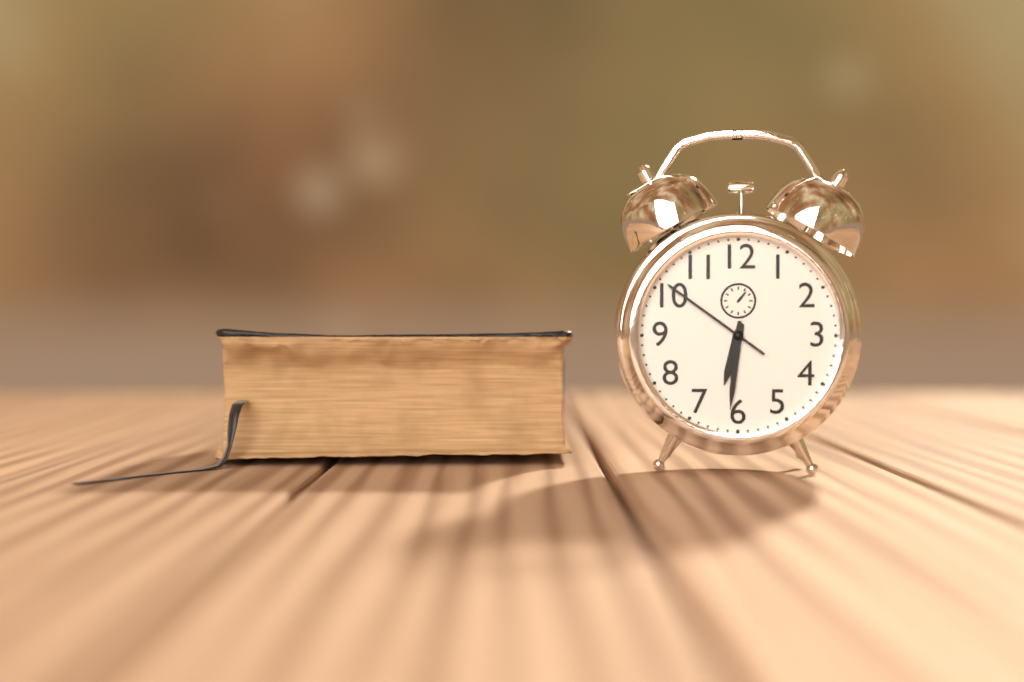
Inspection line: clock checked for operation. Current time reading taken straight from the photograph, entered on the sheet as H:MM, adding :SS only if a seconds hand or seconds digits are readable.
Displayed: 6:31:51
